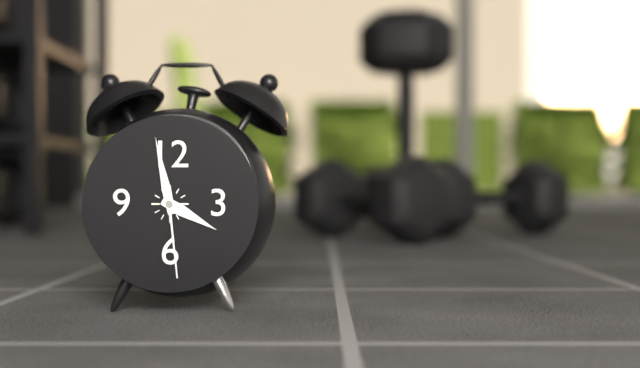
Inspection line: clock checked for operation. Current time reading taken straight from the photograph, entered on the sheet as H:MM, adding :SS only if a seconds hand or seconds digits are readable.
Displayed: 3:58:29
